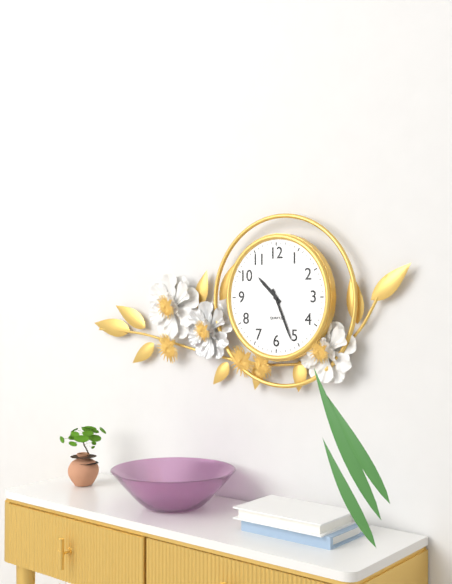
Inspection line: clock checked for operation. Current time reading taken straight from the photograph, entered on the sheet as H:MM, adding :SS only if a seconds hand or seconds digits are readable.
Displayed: 10:26
